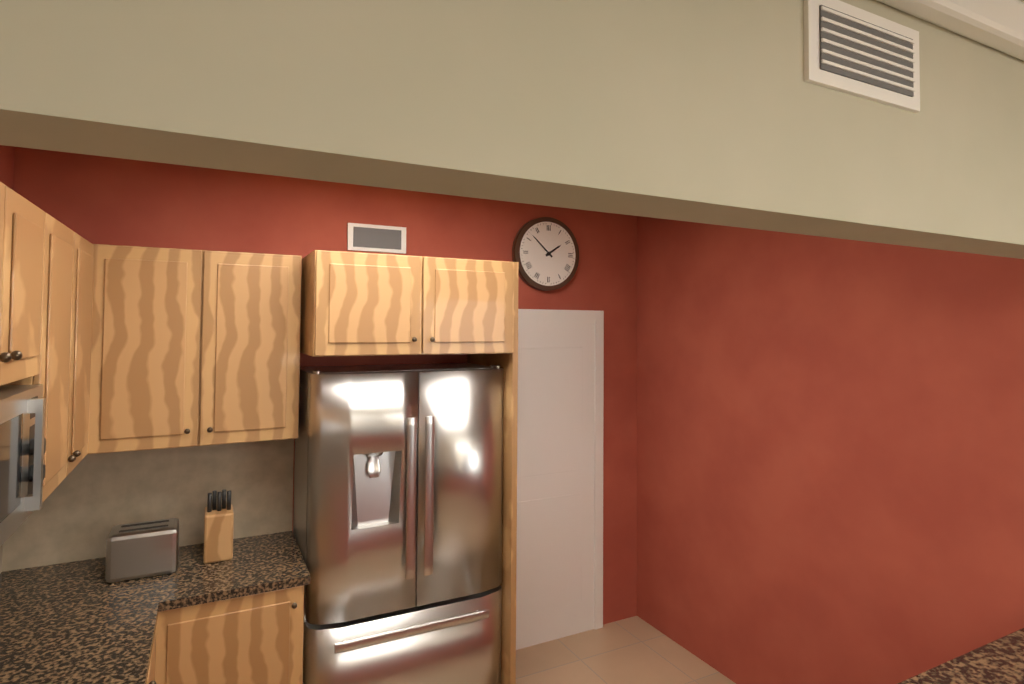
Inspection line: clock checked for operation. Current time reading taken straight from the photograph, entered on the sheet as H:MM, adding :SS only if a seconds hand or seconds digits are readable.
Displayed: 1:52
